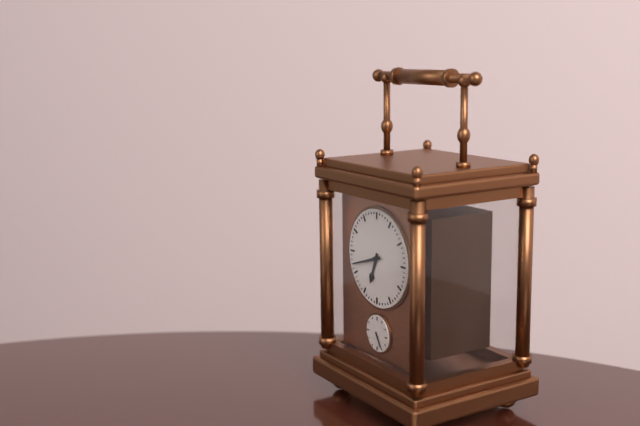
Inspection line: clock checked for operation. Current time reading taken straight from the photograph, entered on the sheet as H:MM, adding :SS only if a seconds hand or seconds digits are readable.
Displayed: 6:42
